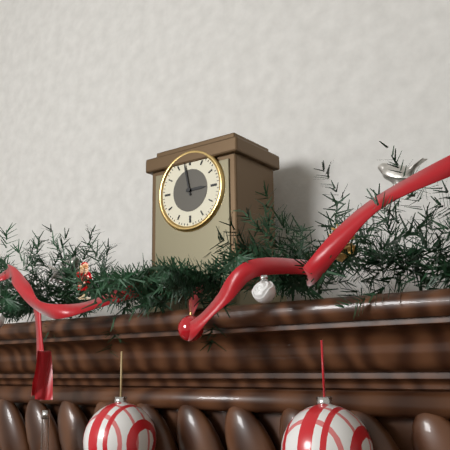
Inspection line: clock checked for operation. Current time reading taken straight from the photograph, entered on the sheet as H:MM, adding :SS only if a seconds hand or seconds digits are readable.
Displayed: 2:58
